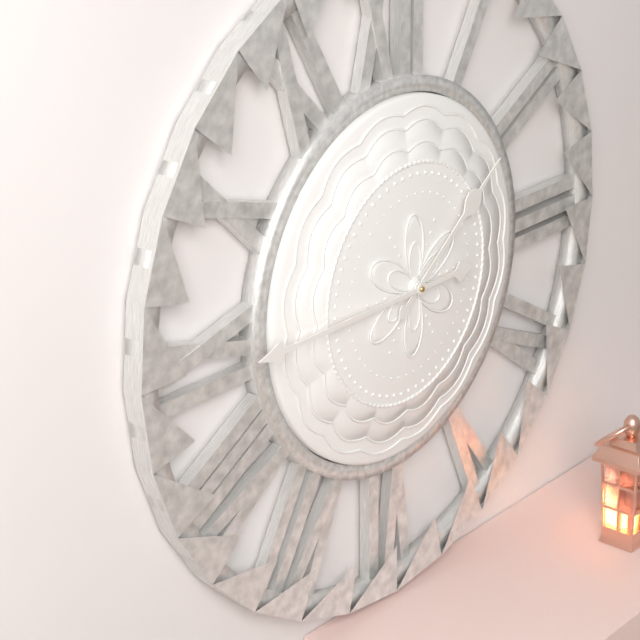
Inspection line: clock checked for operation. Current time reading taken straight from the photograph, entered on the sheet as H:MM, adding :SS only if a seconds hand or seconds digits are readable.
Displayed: 1:45
